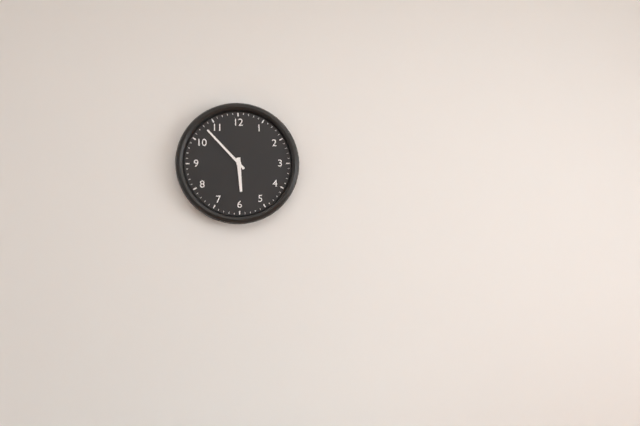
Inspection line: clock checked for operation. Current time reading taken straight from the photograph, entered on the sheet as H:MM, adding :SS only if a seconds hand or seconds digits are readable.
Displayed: 5:53
